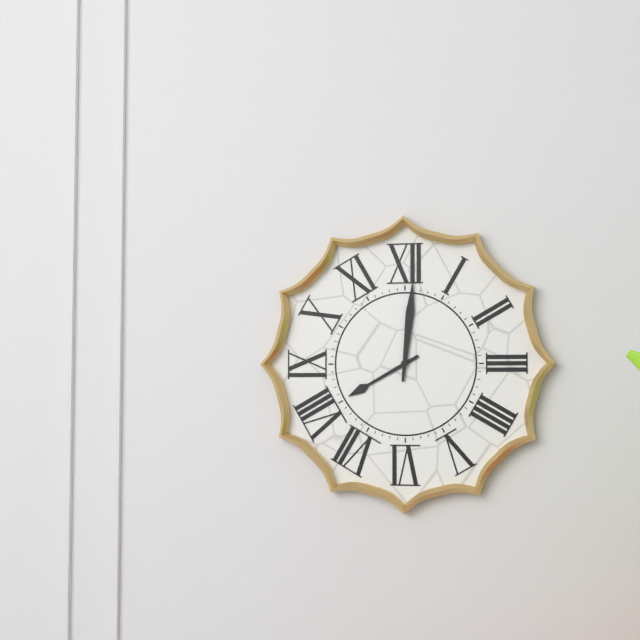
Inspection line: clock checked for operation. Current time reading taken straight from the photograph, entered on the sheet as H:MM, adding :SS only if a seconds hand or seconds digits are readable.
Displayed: 8:01
